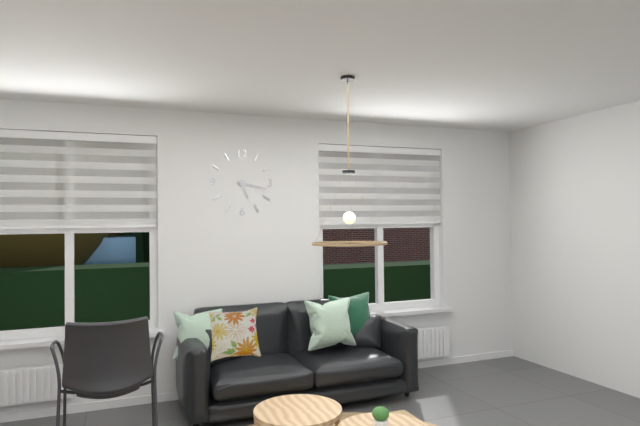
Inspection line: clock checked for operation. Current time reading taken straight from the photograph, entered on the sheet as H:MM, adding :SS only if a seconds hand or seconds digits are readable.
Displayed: 5:17
